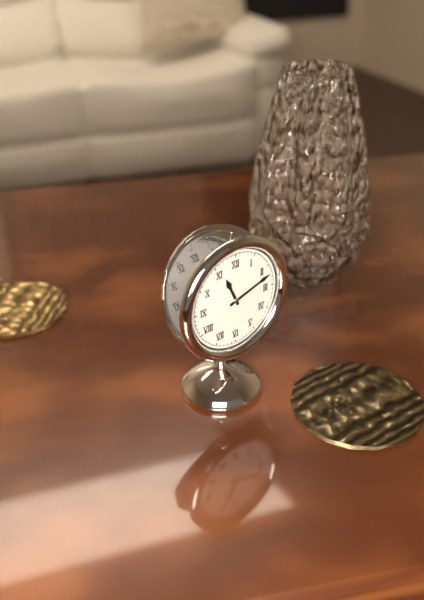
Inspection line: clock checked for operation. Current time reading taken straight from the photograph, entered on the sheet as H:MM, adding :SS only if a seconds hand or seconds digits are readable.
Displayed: 11:12
